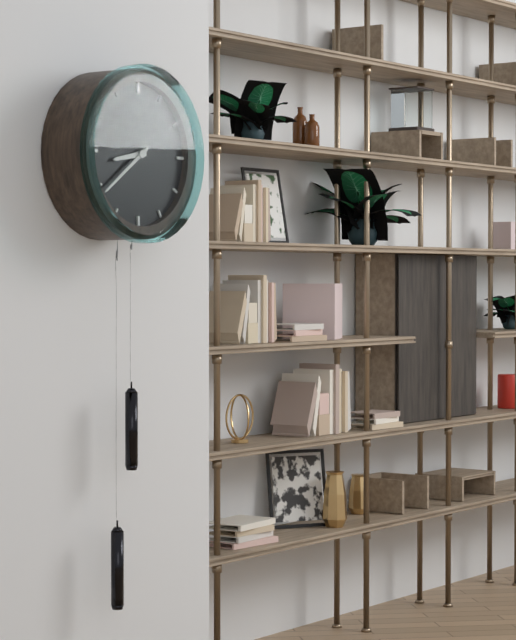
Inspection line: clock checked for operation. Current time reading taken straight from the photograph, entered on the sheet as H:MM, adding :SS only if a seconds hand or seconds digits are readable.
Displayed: 8:39
